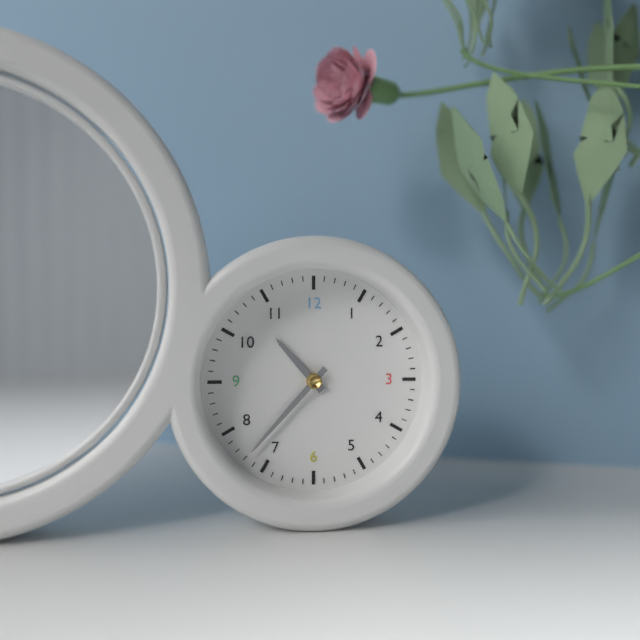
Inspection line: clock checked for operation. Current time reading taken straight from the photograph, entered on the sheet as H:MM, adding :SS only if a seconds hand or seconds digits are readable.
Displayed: 10:37
